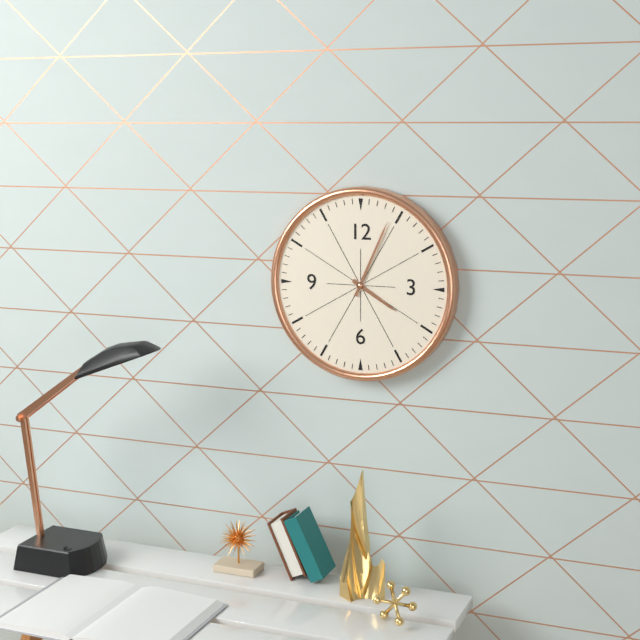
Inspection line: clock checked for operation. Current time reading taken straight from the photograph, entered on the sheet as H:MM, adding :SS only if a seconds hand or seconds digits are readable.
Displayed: 4:04
